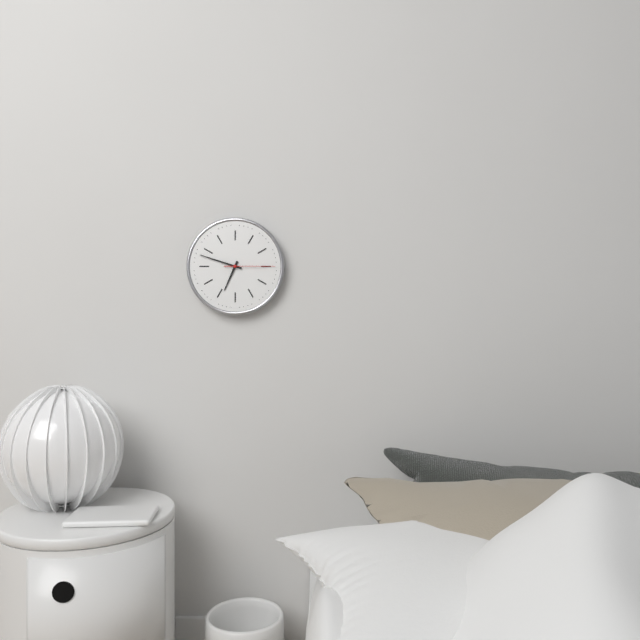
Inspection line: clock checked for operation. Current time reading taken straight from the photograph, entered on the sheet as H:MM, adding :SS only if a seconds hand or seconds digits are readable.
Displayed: 6:48:15
